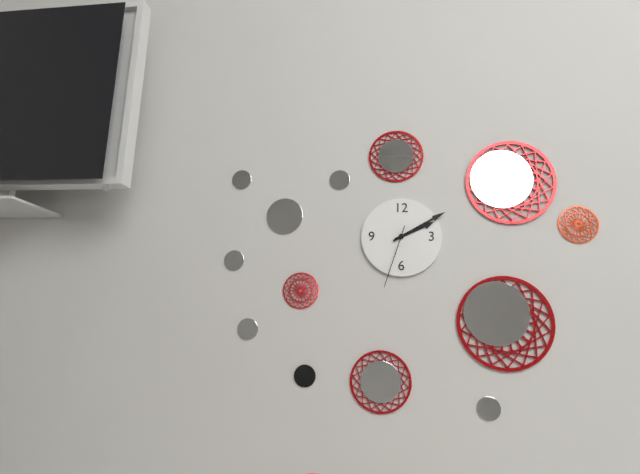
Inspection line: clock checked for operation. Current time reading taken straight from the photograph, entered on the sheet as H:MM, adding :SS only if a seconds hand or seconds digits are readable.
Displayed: 2:10:33
